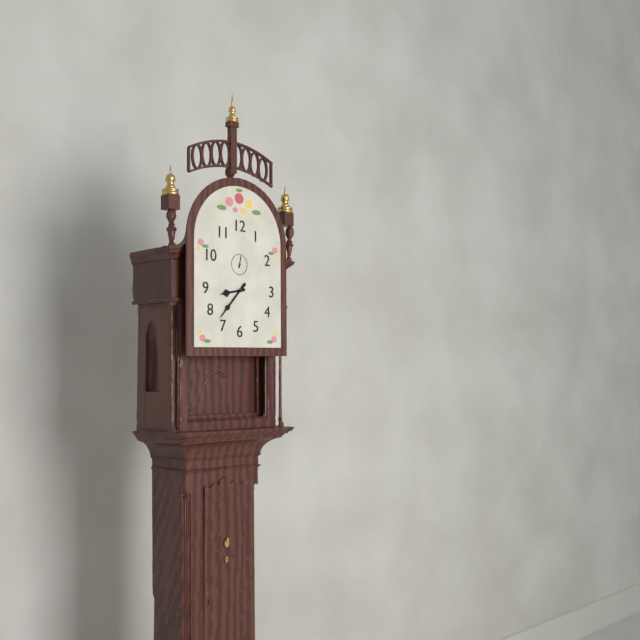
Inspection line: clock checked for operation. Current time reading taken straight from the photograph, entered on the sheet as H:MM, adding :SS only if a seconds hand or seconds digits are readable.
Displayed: 8:37
